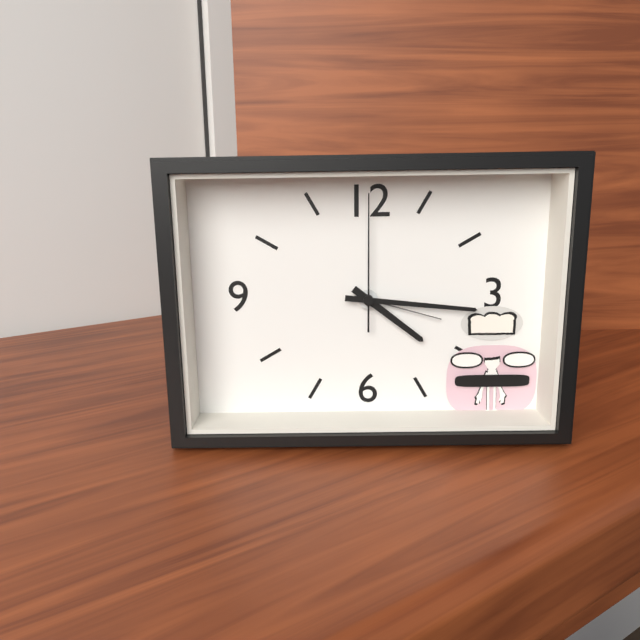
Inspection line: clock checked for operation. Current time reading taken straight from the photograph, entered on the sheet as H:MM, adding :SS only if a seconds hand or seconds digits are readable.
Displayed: 4:16:00
